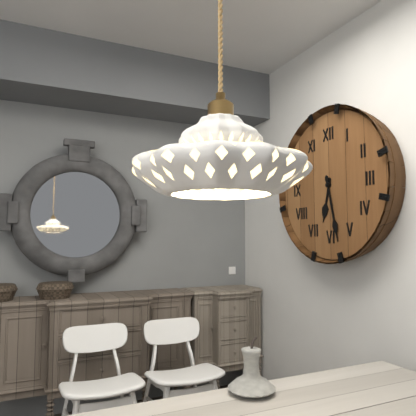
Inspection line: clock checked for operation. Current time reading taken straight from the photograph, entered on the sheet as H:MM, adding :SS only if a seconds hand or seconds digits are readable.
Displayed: 6:28
